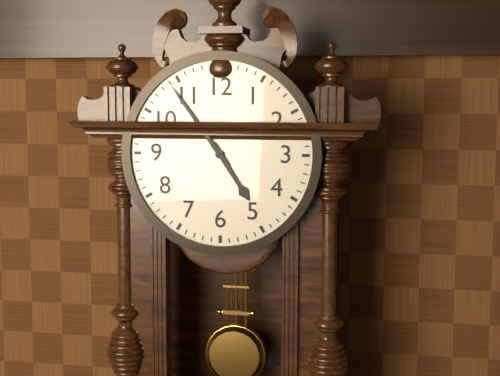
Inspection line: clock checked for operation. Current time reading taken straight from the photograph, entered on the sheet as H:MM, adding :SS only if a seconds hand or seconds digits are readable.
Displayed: 4:54
